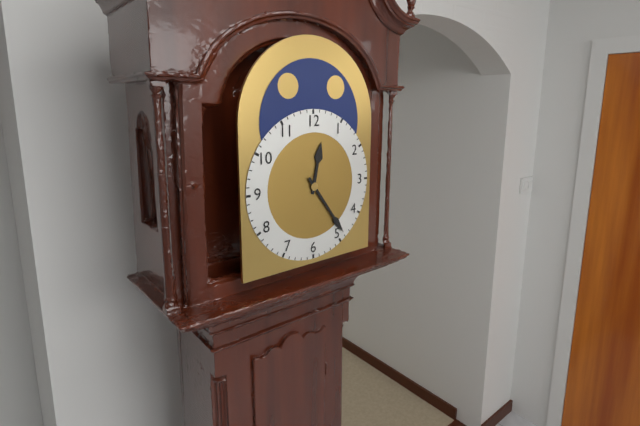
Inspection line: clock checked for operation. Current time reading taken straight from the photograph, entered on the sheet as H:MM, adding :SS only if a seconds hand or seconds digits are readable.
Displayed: 12:24
